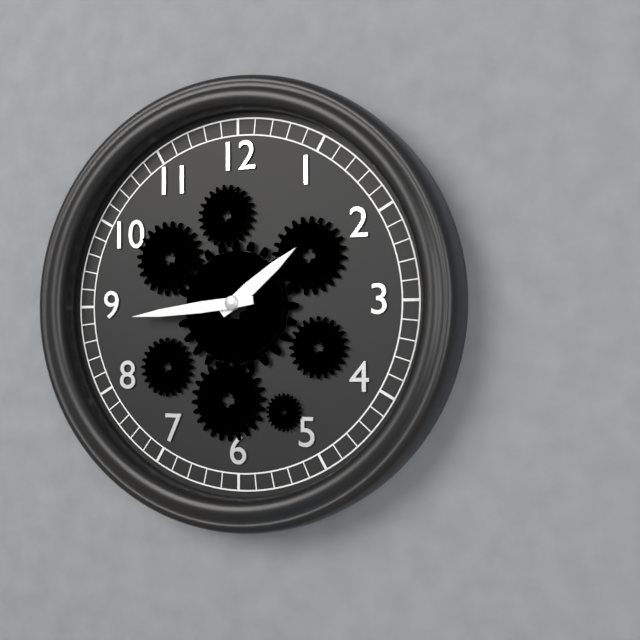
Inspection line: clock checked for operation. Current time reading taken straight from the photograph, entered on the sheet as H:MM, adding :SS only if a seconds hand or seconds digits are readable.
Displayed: 1:44
